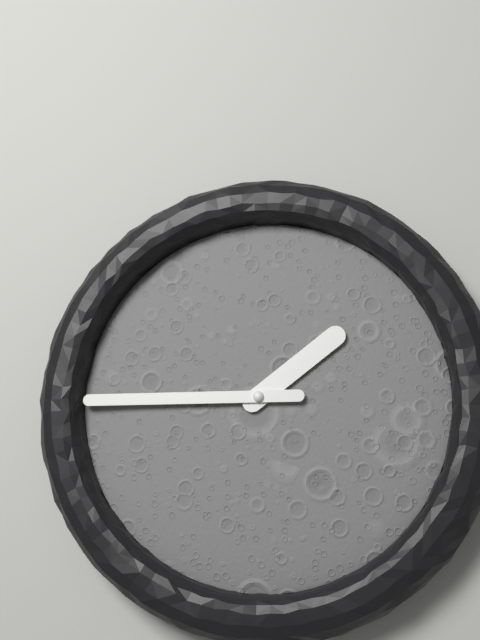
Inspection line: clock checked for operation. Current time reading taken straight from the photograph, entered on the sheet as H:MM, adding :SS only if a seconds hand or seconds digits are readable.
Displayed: 1:45
